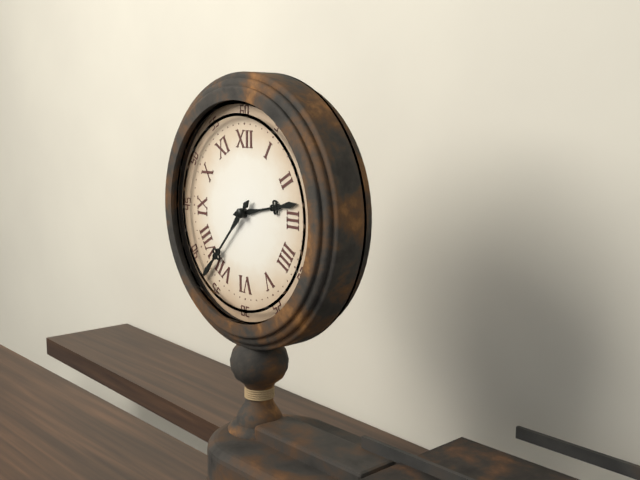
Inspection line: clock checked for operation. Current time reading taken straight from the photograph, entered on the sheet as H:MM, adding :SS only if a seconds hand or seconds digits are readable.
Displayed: 2:37
